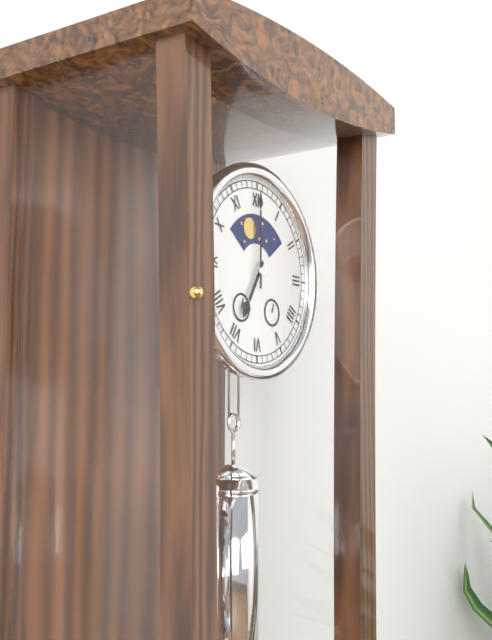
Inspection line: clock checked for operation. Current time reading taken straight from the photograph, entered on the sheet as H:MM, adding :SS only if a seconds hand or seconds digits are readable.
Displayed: 7:00
